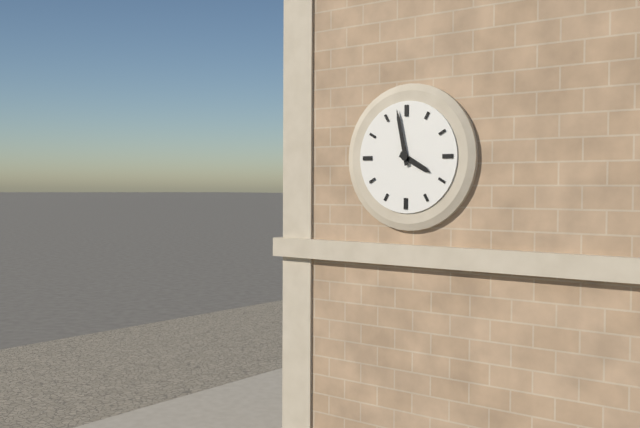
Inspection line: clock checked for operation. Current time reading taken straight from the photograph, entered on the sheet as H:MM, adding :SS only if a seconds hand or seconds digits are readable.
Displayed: 3:58
